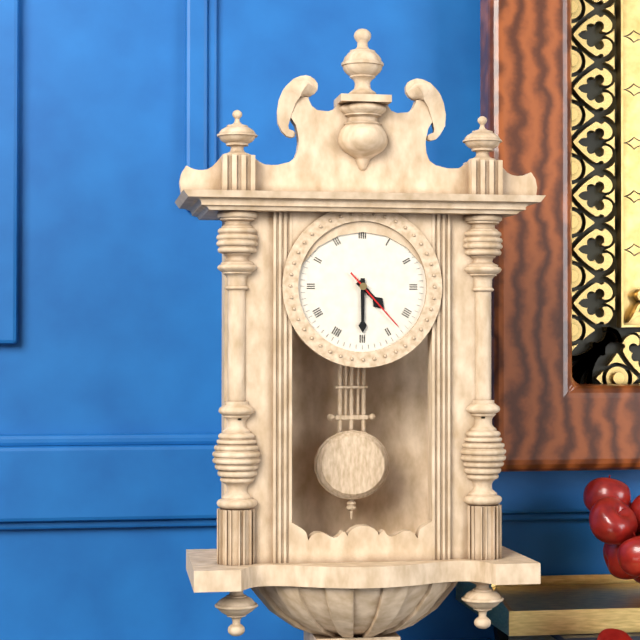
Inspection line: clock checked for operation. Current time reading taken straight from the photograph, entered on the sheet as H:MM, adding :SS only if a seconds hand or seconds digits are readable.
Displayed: 4:30:23
